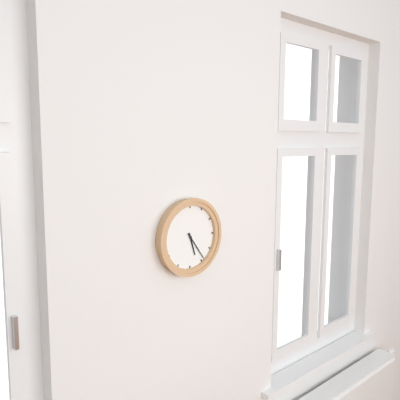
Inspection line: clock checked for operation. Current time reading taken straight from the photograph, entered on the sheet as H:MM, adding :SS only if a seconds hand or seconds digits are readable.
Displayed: 5:24
